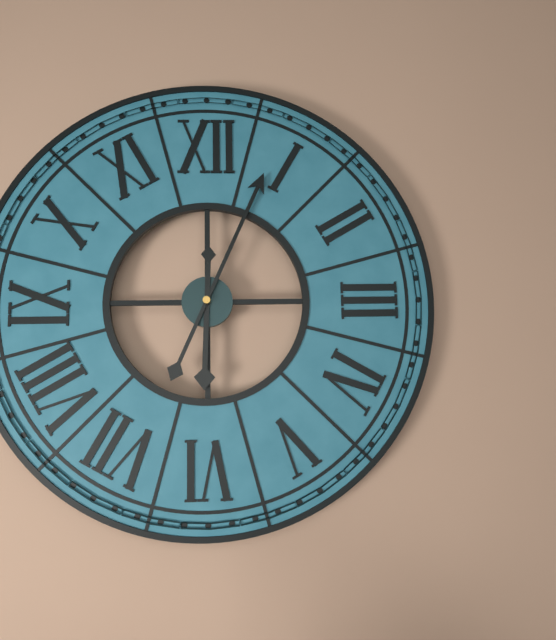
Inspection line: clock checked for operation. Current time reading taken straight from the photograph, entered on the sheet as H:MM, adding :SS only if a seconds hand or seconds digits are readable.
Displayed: 6:04
